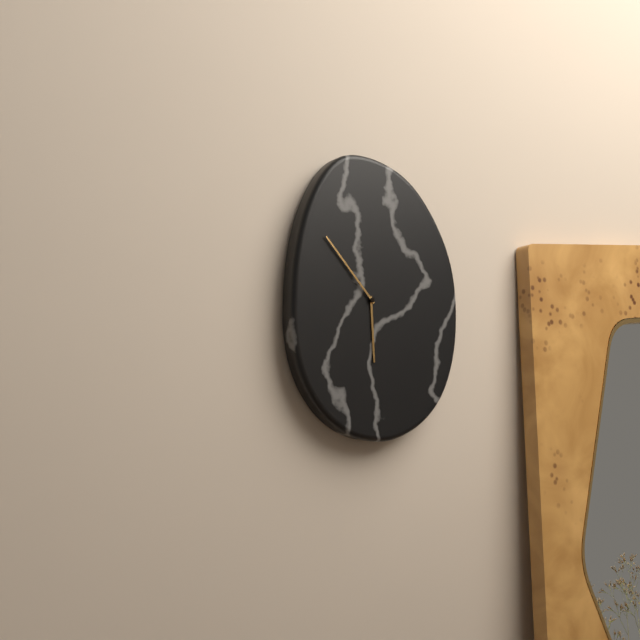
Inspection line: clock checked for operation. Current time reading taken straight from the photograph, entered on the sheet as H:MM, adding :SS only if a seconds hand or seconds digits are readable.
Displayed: 5:53
